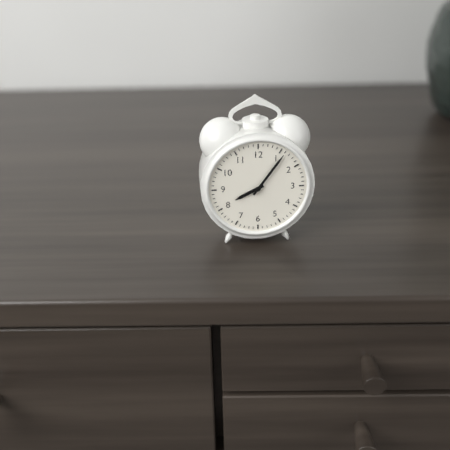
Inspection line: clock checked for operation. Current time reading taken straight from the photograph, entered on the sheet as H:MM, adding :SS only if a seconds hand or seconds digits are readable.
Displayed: 8:06
